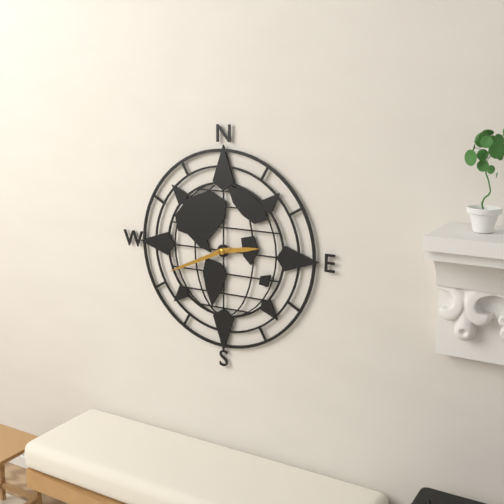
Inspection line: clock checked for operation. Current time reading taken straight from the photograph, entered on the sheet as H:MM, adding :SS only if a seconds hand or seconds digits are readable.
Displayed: 2:41
